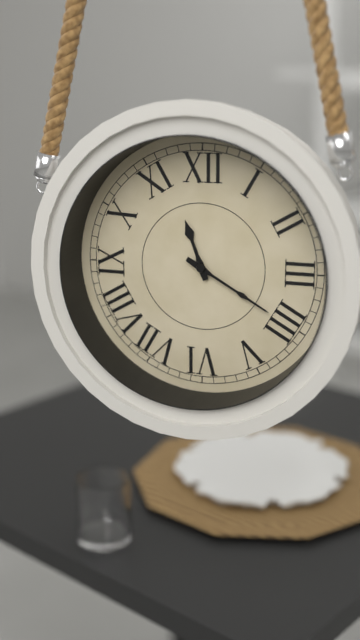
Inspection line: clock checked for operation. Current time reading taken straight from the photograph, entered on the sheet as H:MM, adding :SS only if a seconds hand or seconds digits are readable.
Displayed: 11:20
